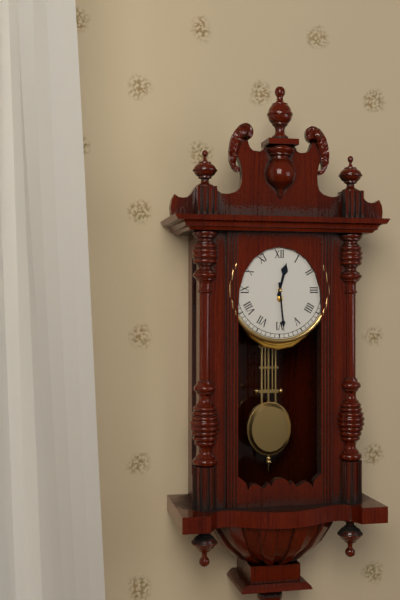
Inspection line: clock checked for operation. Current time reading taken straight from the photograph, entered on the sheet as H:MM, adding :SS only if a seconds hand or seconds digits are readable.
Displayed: 12:29
